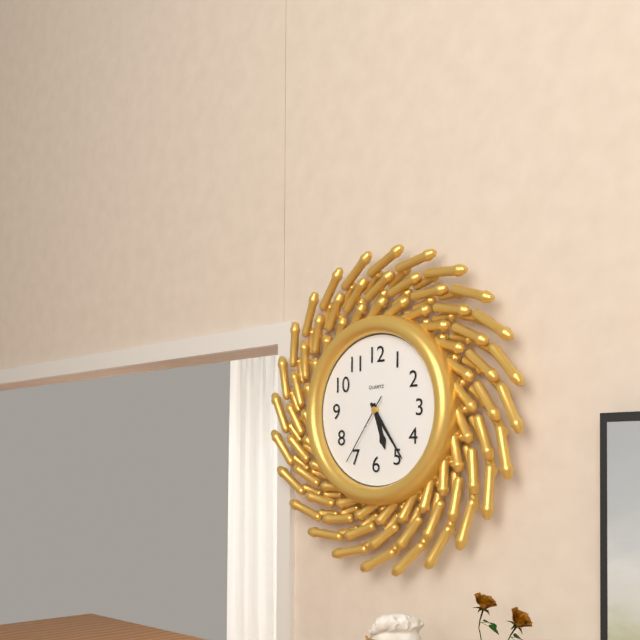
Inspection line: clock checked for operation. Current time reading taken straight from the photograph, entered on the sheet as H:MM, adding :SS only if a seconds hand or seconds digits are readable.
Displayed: 5:24:36
